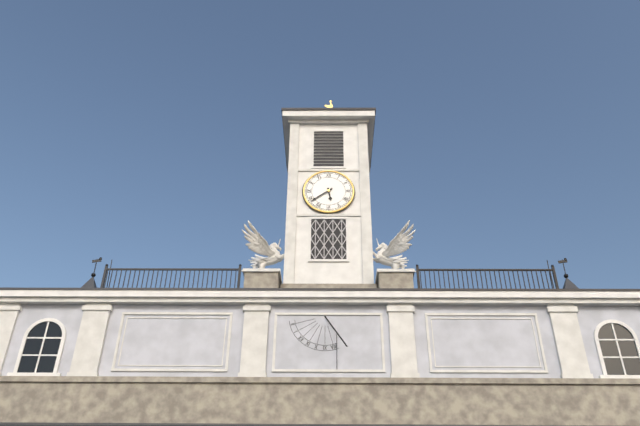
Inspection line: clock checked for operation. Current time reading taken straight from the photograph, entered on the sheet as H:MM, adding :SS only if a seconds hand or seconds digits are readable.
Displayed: 5:39
